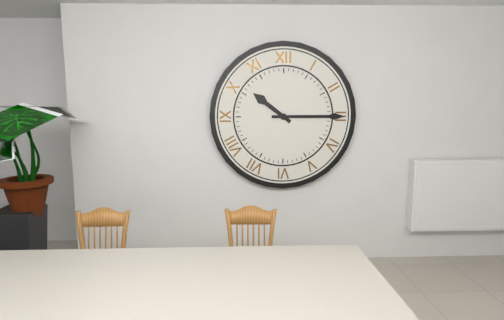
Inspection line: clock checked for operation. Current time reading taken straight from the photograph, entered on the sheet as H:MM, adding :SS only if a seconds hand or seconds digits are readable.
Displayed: 10:15
